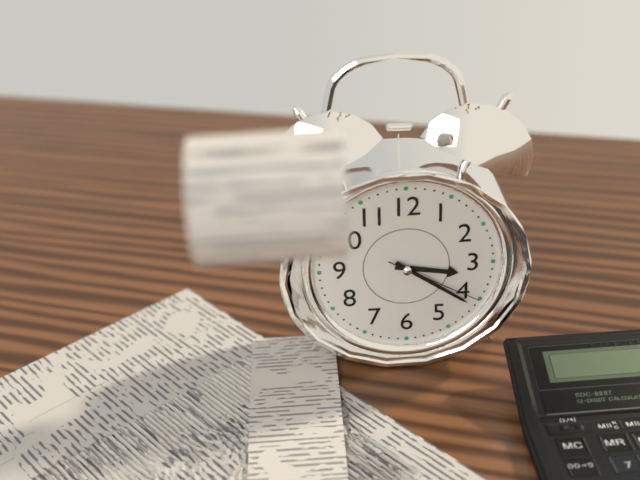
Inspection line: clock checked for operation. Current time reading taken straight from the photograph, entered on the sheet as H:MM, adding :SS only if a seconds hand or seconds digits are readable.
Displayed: 3:21:20
